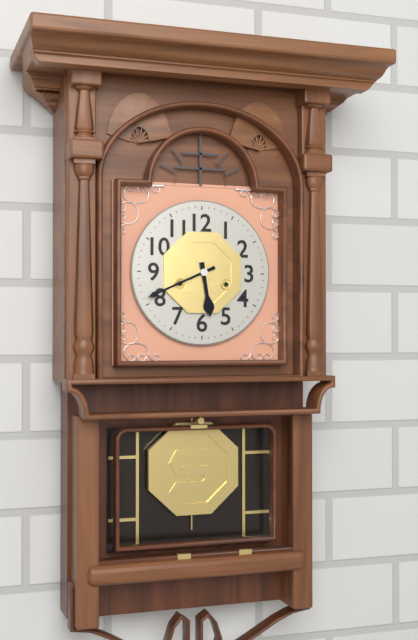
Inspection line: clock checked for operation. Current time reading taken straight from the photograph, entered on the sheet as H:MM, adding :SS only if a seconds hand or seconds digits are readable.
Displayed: 5:41
